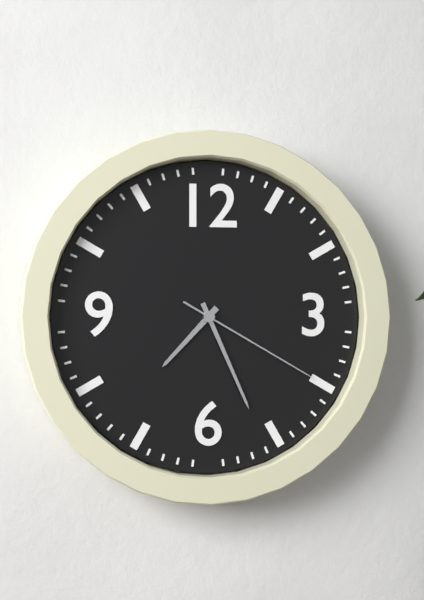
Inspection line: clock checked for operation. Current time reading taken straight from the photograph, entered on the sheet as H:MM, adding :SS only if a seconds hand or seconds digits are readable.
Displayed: 7:26:20
